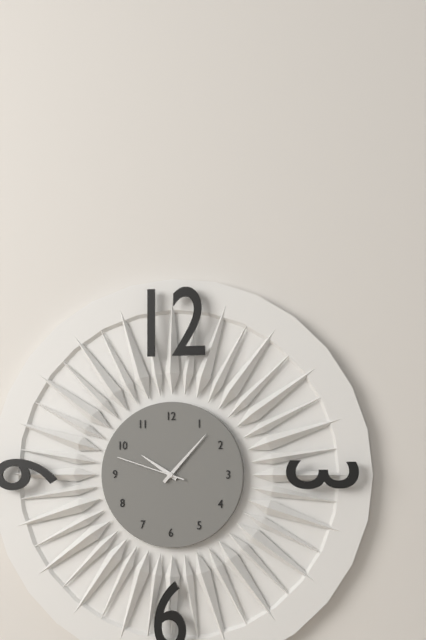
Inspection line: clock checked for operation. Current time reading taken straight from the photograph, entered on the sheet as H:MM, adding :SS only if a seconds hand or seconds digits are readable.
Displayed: 10:07:48
